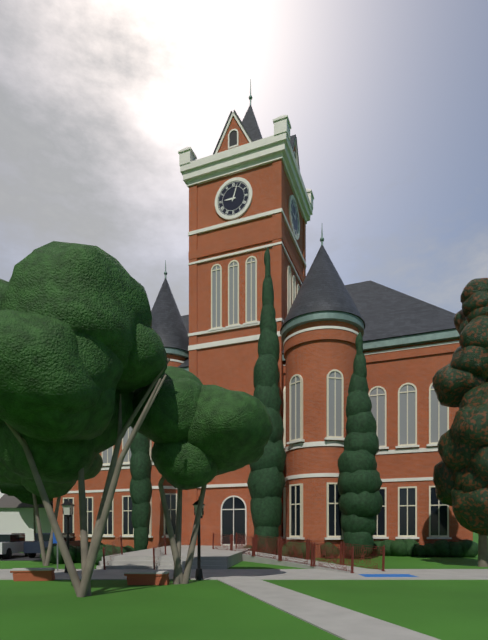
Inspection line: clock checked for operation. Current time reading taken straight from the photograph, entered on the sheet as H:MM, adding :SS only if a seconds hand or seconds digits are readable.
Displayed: 9:03
